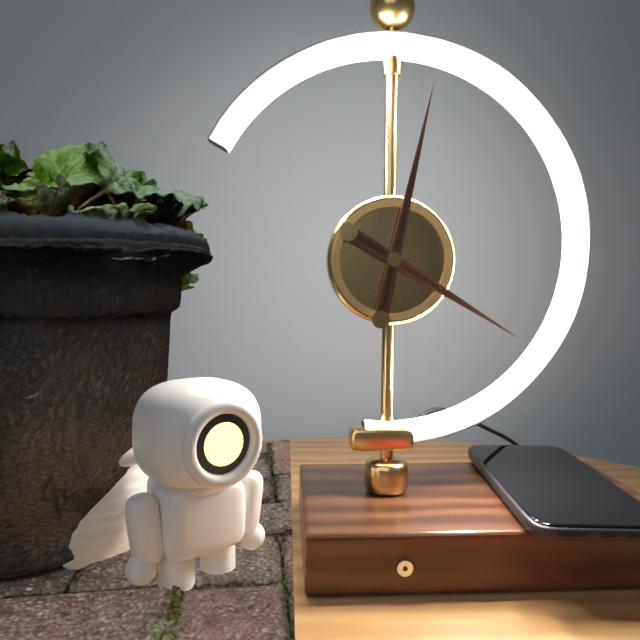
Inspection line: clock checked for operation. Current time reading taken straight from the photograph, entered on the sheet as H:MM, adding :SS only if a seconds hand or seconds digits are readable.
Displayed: 4:02
